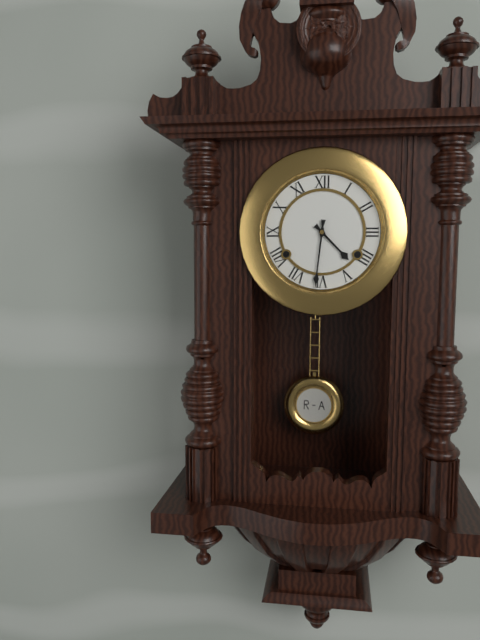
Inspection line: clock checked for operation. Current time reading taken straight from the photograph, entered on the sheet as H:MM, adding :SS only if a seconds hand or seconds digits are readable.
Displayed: 4:31
